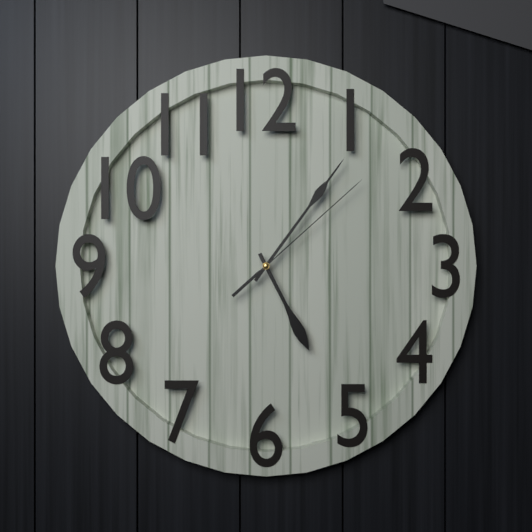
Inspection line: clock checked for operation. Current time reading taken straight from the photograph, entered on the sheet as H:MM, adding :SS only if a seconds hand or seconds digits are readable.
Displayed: 5:06:08
